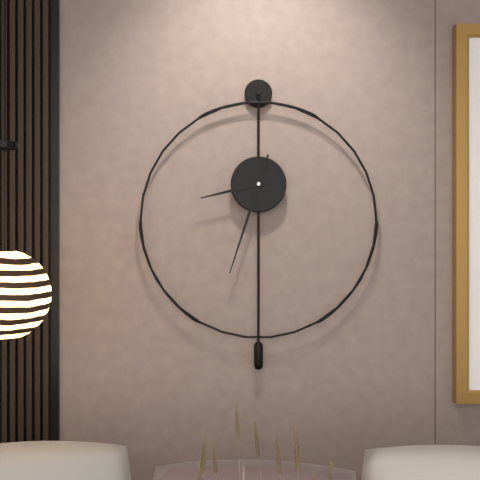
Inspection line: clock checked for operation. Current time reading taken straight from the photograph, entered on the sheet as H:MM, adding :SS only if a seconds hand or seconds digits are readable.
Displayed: 8:33
